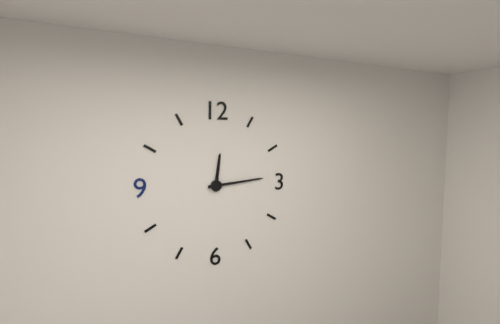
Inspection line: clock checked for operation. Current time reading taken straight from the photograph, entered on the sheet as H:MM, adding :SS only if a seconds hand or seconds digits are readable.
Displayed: 12:14
